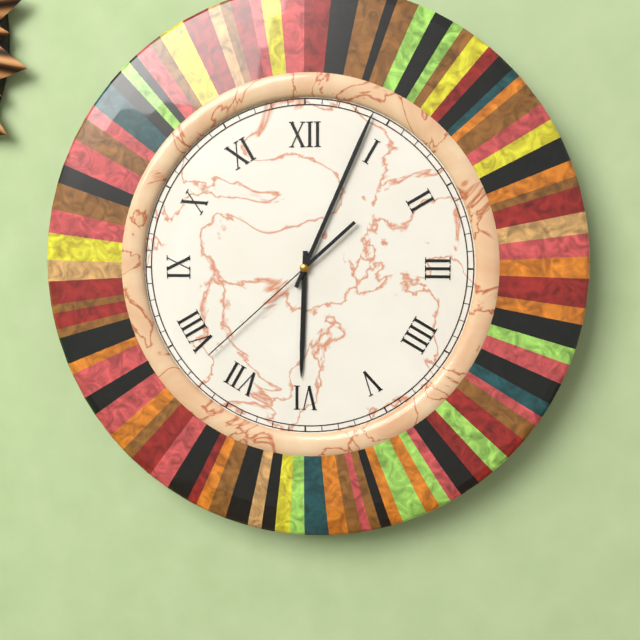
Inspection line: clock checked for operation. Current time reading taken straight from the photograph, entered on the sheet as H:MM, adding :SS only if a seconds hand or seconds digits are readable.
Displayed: 6:04:38
